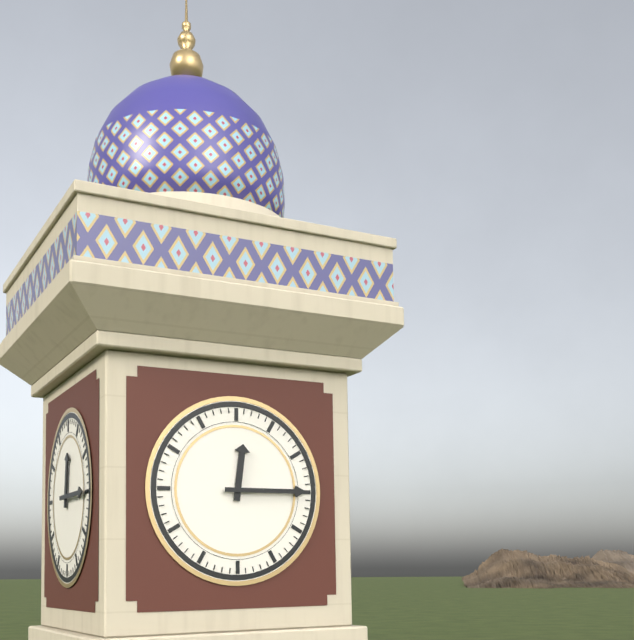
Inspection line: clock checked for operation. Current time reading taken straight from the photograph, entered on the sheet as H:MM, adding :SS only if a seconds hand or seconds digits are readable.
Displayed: 12:15
